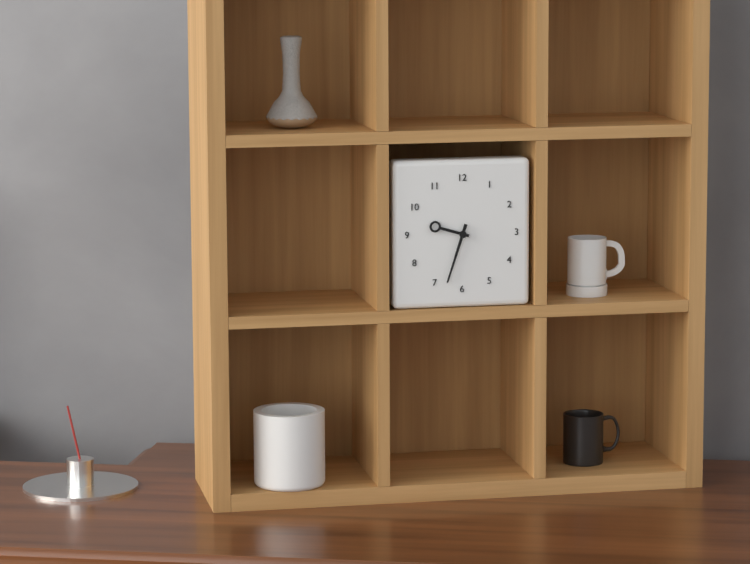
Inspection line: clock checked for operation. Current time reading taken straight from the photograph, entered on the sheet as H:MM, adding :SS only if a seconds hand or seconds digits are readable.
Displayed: 9:33
